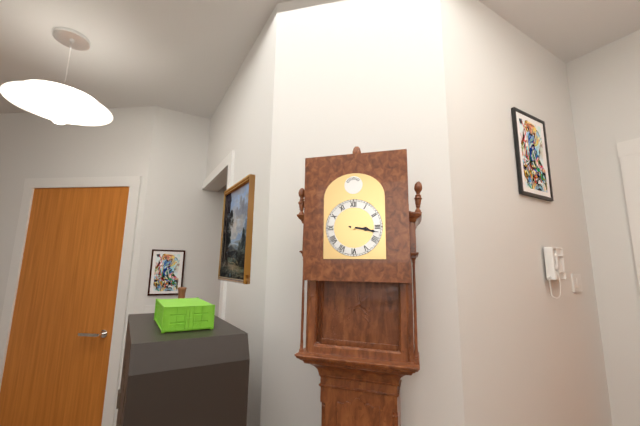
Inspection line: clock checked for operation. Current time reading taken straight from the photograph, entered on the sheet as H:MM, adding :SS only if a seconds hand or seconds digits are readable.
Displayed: 3:17
